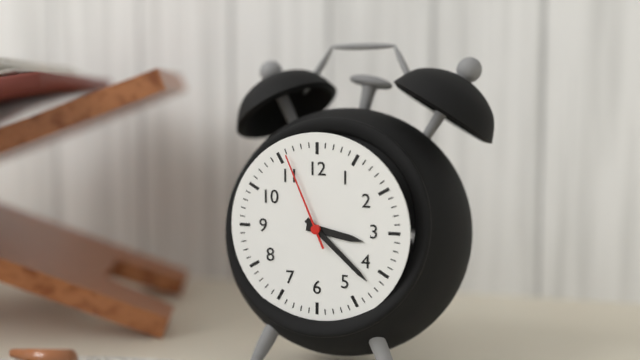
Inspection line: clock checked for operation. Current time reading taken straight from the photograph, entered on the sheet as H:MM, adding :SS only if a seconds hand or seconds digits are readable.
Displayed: 3:22:56
